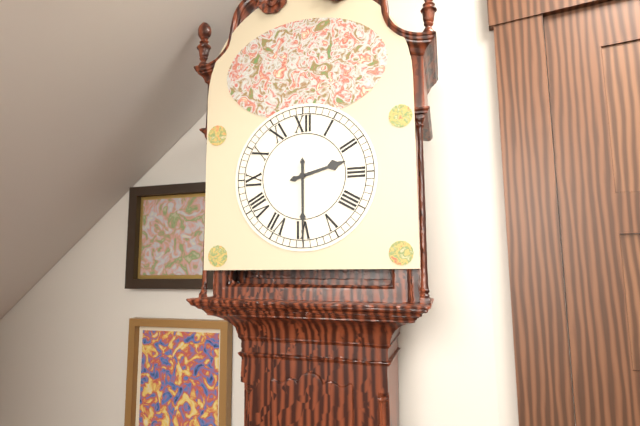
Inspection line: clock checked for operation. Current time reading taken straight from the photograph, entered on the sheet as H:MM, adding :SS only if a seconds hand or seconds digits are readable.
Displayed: 2:30
